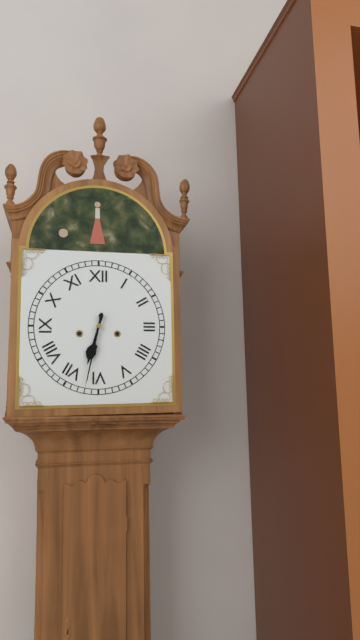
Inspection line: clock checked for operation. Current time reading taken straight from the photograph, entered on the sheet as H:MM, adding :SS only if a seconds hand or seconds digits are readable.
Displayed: 6:32
